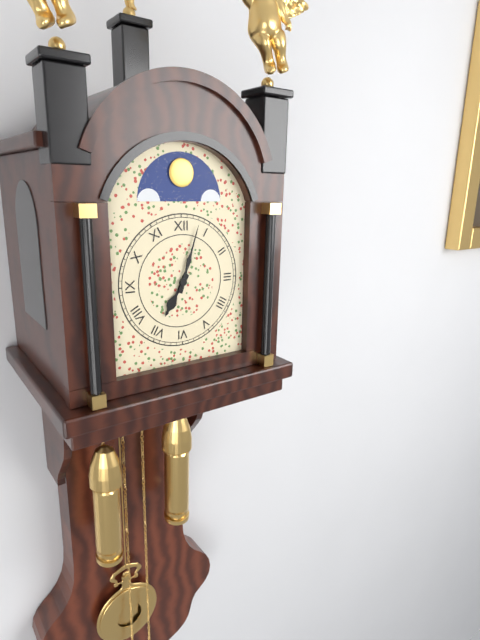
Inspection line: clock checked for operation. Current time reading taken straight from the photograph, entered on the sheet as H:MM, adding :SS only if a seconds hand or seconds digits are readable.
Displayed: 7:03
